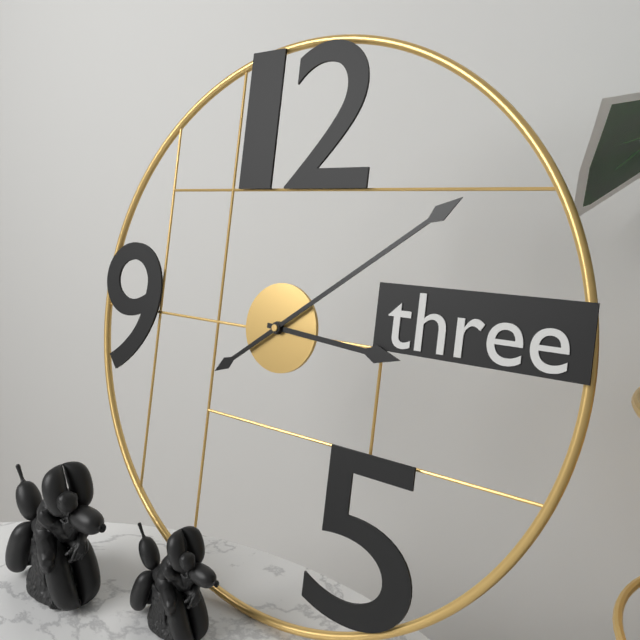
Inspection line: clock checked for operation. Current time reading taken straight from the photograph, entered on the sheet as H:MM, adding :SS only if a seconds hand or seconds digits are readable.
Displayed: 3:09
